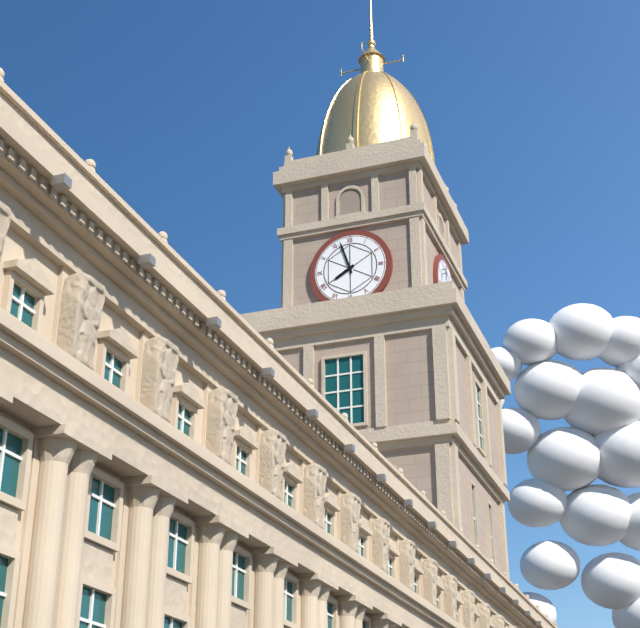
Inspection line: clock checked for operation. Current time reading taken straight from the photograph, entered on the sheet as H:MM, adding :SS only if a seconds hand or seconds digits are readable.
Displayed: 7:57
